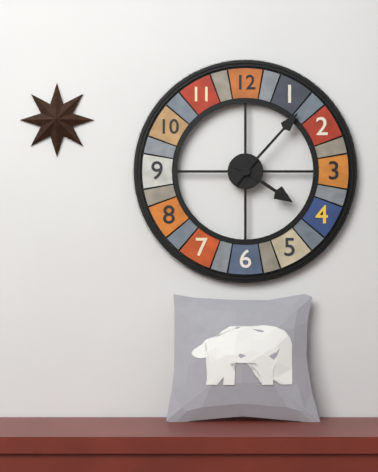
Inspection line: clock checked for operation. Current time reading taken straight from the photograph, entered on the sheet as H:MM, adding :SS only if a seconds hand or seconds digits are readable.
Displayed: 4:07
